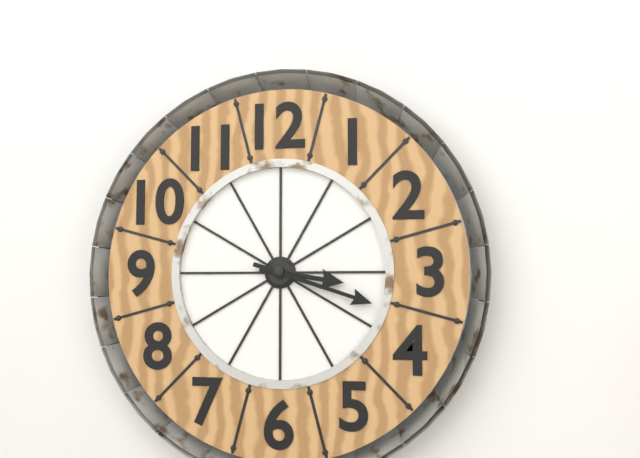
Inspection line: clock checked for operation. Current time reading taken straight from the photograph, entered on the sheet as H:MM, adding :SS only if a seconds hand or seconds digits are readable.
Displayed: 3:18
